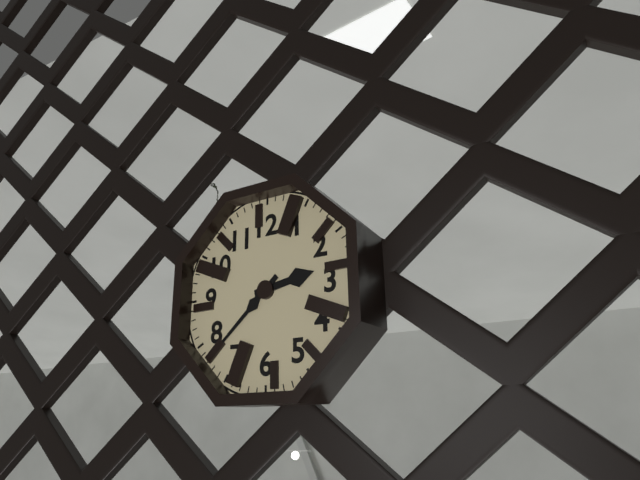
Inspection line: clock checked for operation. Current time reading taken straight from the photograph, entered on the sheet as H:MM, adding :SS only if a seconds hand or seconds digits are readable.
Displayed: 2:38
